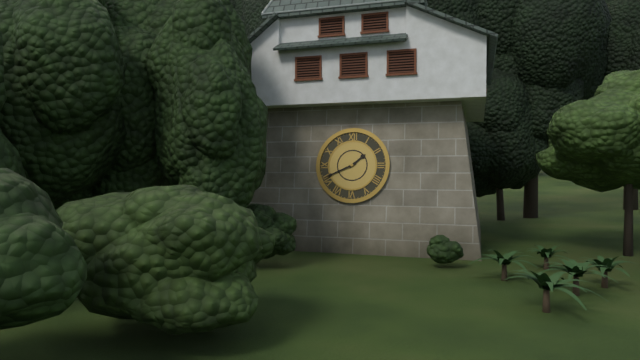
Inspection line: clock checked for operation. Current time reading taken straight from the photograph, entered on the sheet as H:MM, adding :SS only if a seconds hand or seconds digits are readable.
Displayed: 1:41
